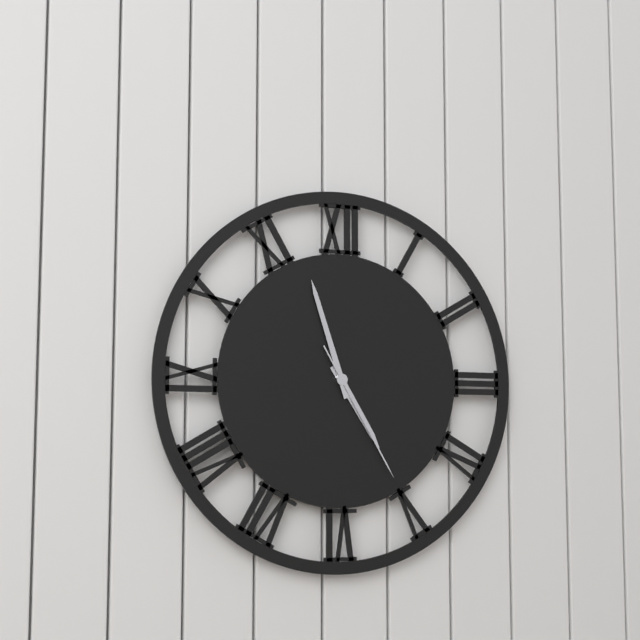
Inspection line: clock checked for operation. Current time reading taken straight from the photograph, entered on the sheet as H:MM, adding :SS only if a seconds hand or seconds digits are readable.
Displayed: 4:57:25
